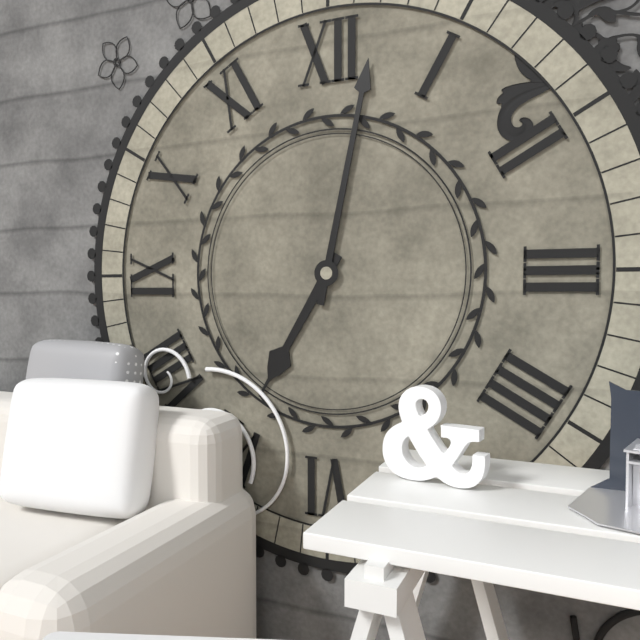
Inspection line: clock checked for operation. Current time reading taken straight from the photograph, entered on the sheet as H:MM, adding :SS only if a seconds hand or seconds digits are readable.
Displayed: 7:02
